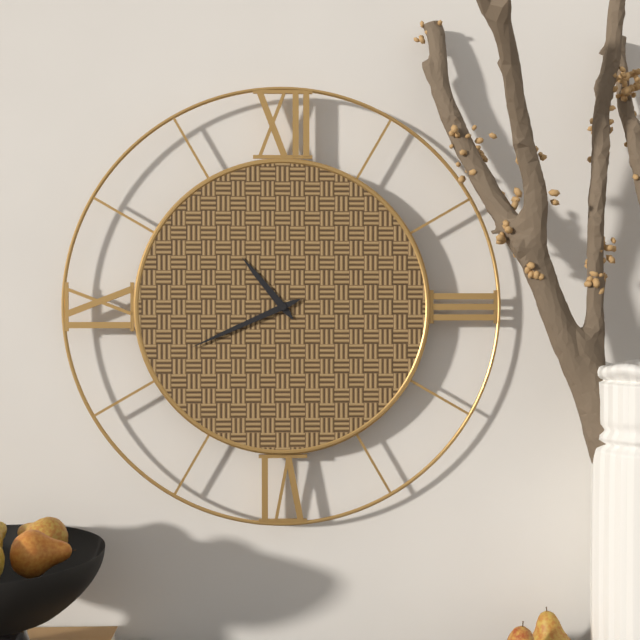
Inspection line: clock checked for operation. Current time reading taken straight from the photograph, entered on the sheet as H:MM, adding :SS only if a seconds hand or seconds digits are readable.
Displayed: 10:41
